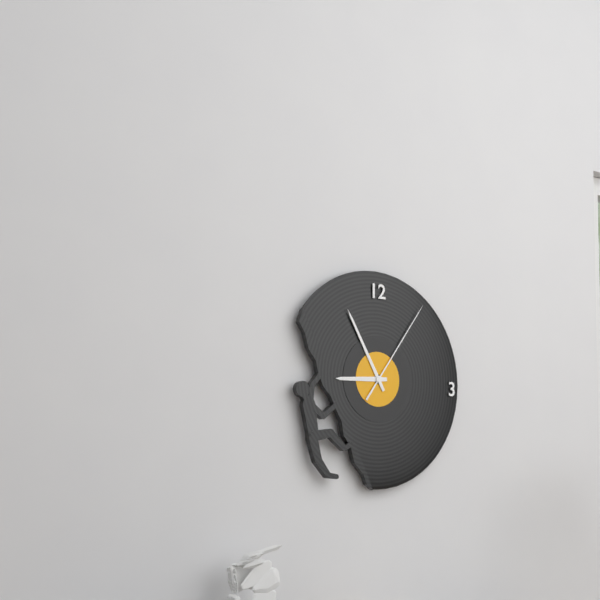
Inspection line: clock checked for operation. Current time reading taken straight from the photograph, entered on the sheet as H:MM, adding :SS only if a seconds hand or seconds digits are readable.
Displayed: 8:55:06
